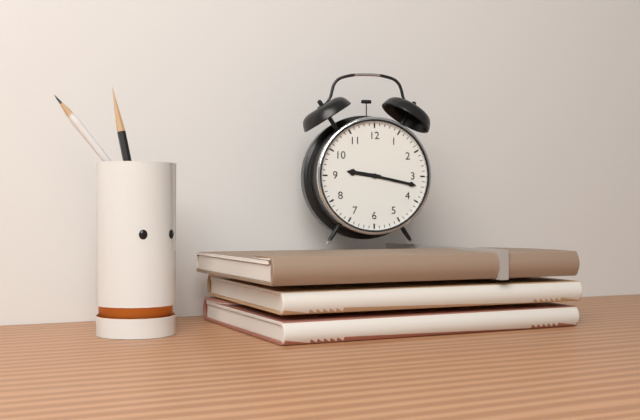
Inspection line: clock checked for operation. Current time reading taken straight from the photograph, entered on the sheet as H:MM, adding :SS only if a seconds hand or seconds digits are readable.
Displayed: 9:17
